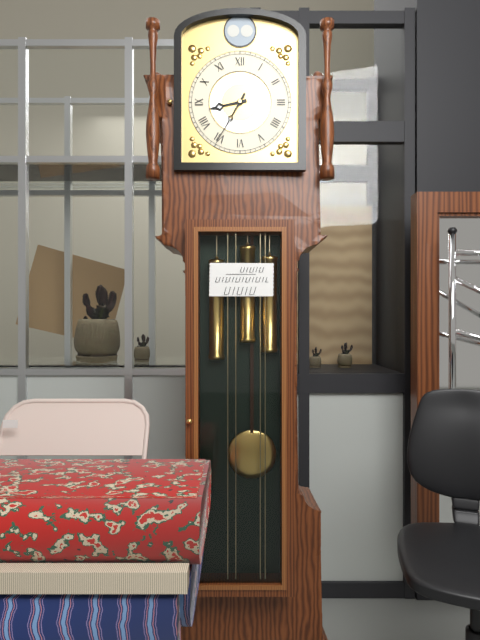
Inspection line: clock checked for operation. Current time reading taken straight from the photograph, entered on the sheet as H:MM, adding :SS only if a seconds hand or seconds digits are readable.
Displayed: 8:35
